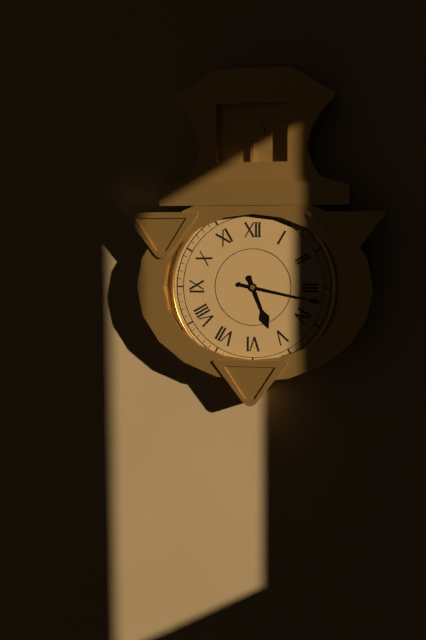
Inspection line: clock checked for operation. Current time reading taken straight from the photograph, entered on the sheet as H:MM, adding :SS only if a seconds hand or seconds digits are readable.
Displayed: 5:17
